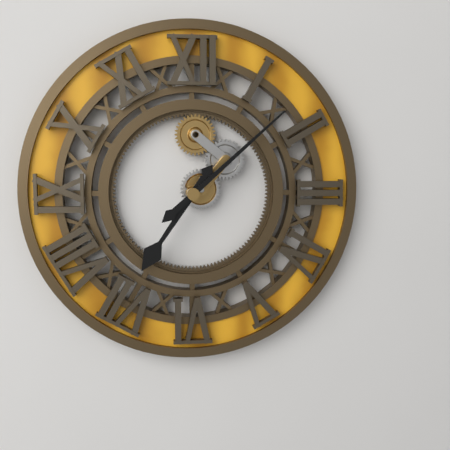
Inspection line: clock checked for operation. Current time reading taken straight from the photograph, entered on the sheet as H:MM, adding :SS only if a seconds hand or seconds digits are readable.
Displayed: 7:08
